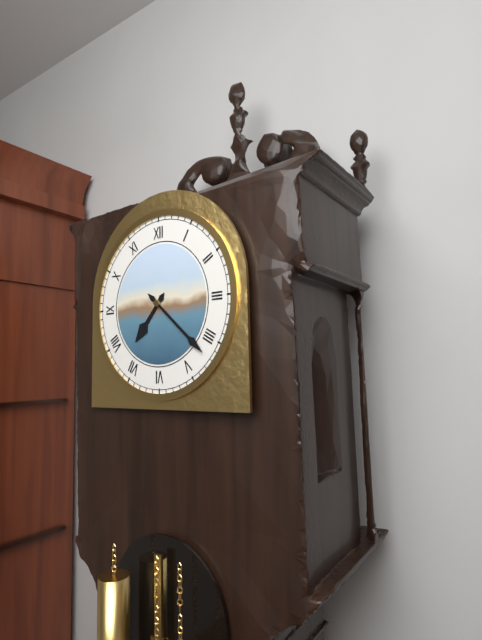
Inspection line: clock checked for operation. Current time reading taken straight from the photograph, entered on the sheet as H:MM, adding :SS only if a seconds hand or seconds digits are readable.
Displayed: 7:22
